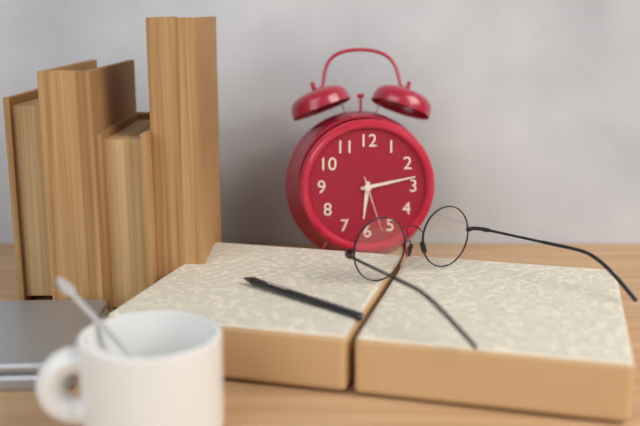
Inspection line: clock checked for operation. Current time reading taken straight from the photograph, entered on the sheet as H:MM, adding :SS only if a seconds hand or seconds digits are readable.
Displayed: 6:13:27
